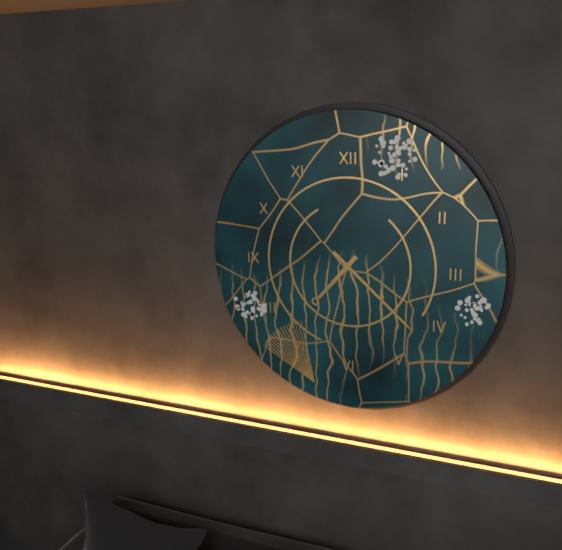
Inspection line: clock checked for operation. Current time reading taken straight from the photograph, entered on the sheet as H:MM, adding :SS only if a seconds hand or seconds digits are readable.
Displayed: 7:22
